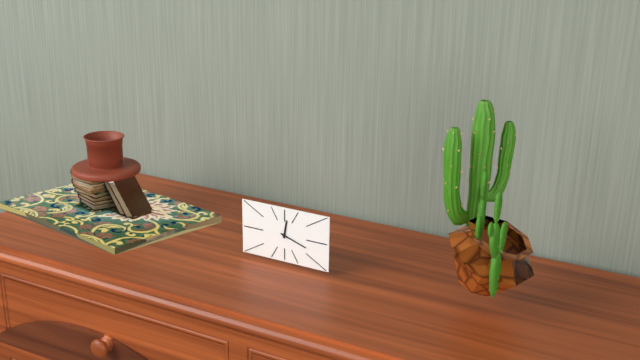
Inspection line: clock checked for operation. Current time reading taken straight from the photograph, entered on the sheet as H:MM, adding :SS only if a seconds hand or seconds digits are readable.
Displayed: 12:18
